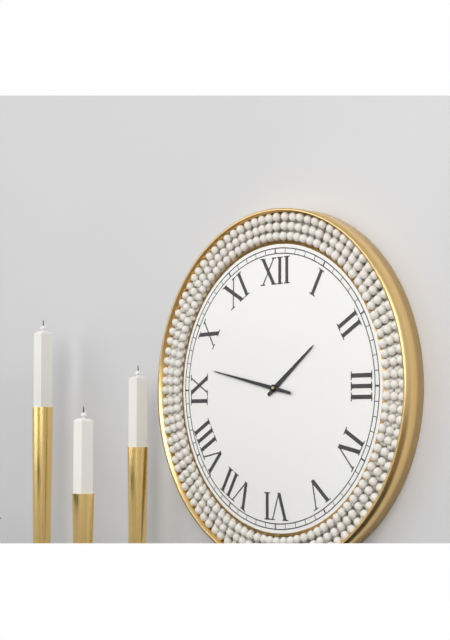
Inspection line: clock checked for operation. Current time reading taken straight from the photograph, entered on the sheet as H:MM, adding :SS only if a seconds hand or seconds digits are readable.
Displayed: 1:47
